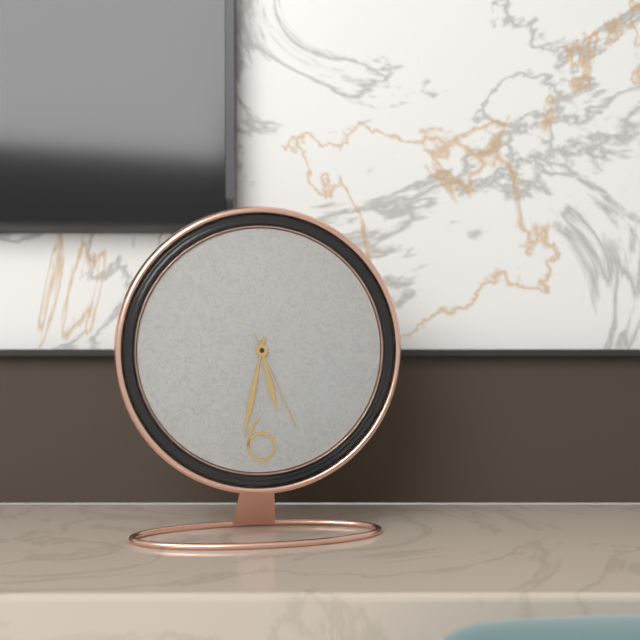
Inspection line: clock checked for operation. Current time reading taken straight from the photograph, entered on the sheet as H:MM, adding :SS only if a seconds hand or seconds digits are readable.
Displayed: 5:32:26
